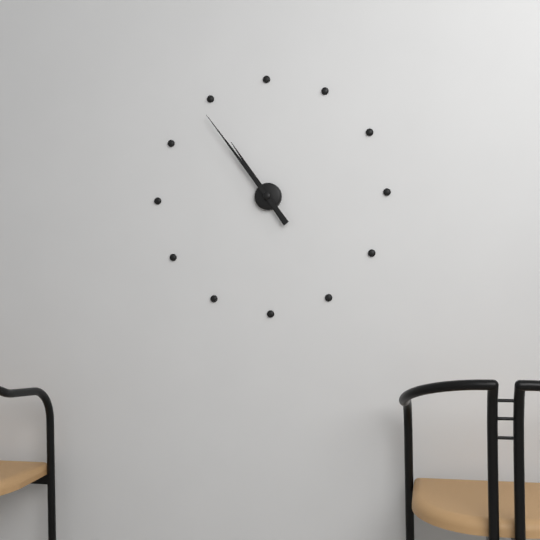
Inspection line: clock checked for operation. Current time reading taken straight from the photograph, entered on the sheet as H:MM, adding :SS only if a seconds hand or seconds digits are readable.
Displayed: 10:54
